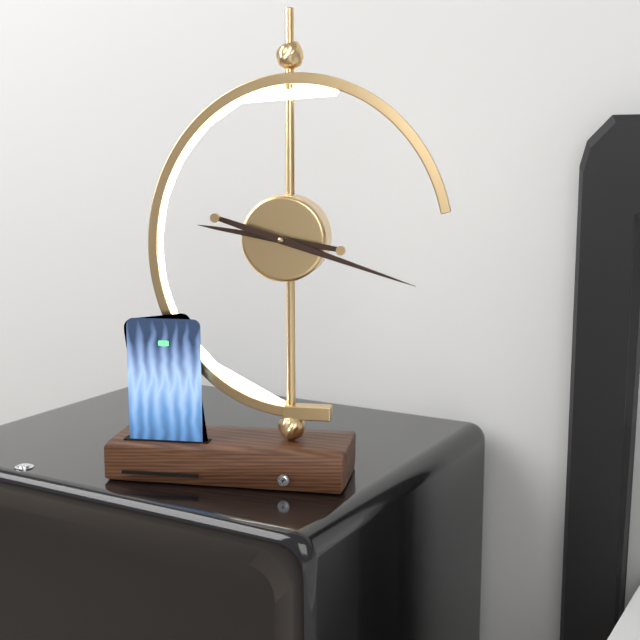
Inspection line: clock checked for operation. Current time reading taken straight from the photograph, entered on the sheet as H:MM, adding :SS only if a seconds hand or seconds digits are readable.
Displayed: 9:18
